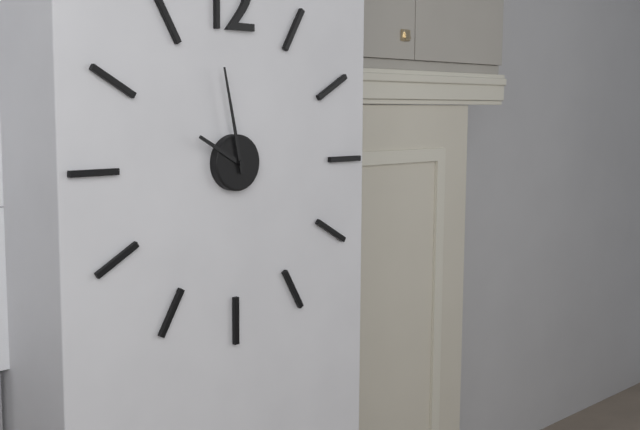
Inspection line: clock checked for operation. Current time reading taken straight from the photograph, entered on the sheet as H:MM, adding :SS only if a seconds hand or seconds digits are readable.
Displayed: 9:58
